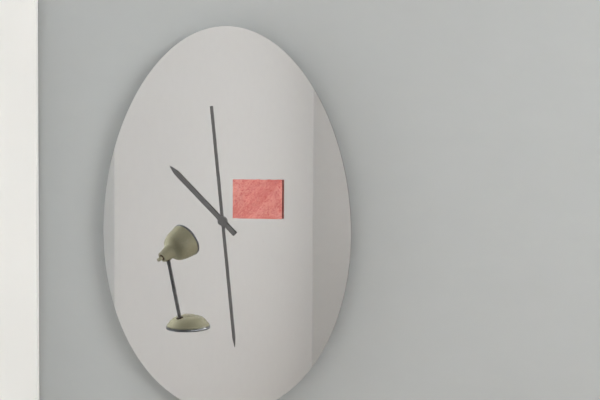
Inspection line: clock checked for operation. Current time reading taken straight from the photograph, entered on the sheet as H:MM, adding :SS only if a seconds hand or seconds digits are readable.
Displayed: 10:29
